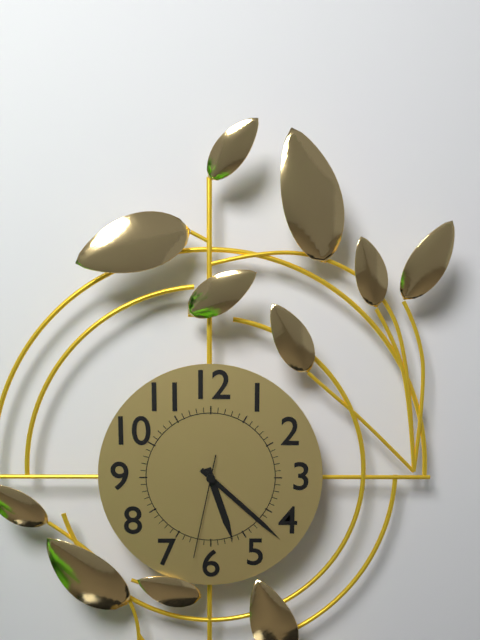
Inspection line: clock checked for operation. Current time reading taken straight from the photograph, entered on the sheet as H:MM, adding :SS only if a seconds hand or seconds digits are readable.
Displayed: 5:22:32
